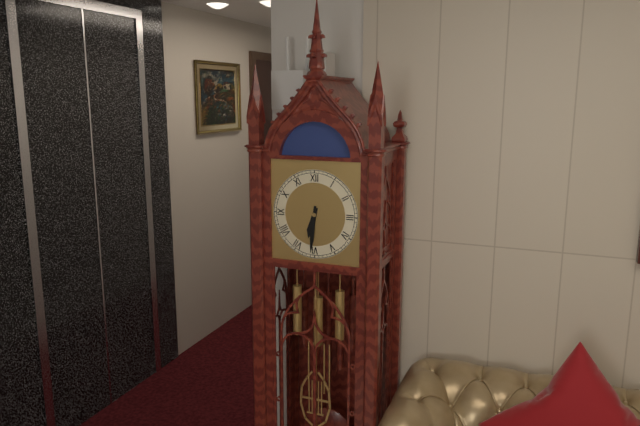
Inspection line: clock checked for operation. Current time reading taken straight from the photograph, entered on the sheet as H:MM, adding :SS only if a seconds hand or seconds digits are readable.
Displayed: 6:31
